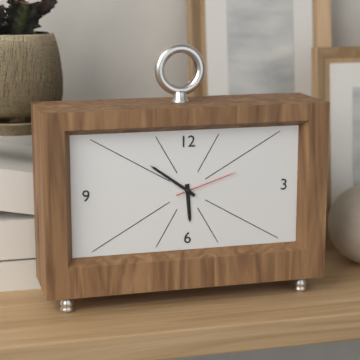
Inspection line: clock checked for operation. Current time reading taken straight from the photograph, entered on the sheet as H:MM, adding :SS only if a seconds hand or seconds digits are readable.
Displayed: 5:51:12
